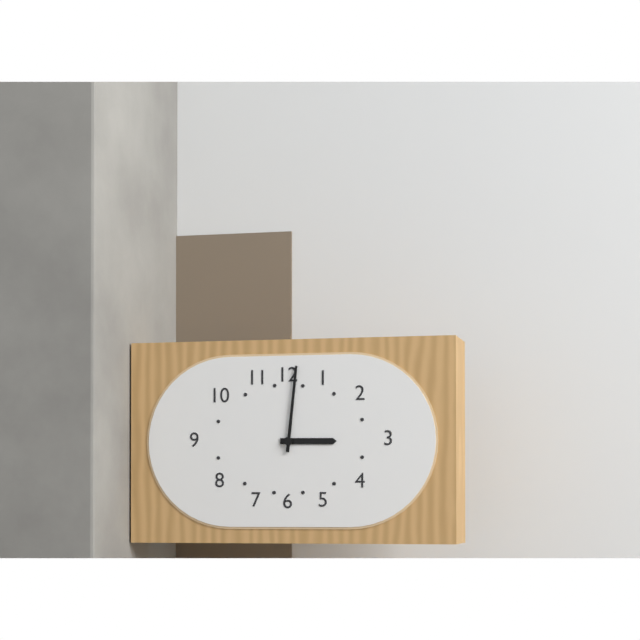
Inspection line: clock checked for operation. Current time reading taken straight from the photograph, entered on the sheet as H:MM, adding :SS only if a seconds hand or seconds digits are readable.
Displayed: 3:01
